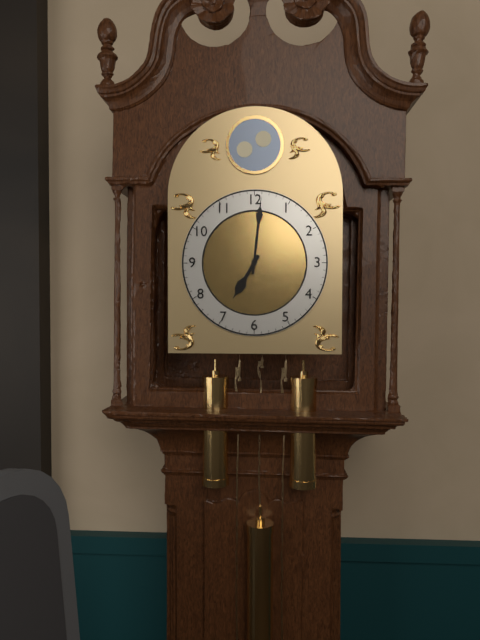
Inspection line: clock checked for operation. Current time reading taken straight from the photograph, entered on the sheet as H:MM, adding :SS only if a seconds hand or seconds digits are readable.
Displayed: 7:01
